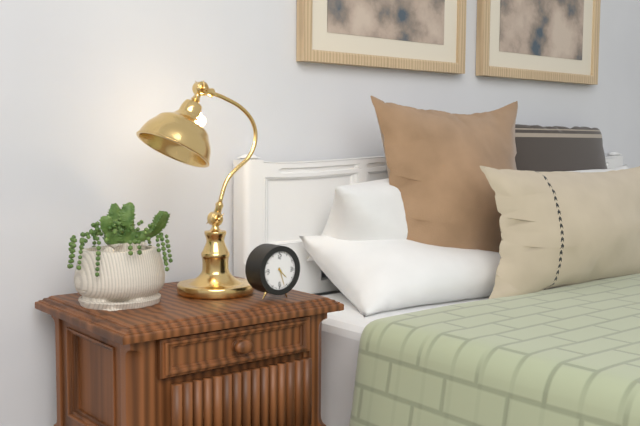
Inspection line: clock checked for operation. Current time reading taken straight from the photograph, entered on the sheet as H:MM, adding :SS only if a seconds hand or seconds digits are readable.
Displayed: 4:27
